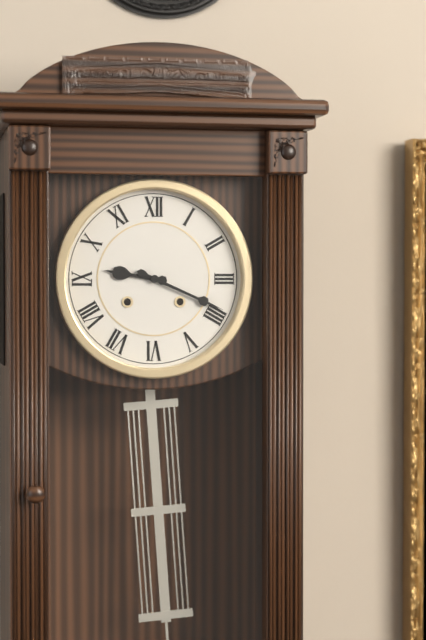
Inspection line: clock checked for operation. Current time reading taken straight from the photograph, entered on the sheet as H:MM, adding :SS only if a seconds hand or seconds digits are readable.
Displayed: 9:19
